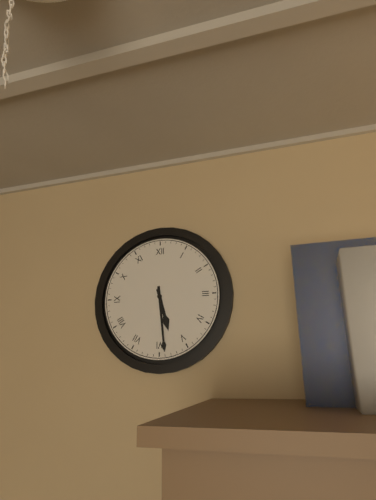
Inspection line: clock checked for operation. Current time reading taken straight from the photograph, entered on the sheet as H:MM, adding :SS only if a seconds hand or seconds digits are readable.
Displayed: 5:29
